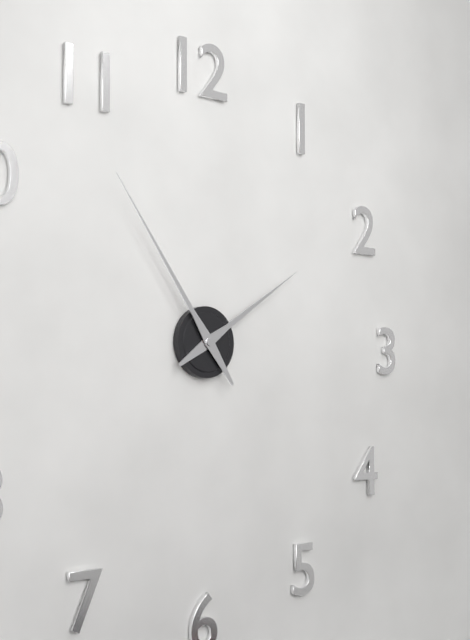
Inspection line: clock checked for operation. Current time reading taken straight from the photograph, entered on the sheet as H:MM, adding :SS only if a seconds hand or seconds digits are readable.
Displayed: 1:54
